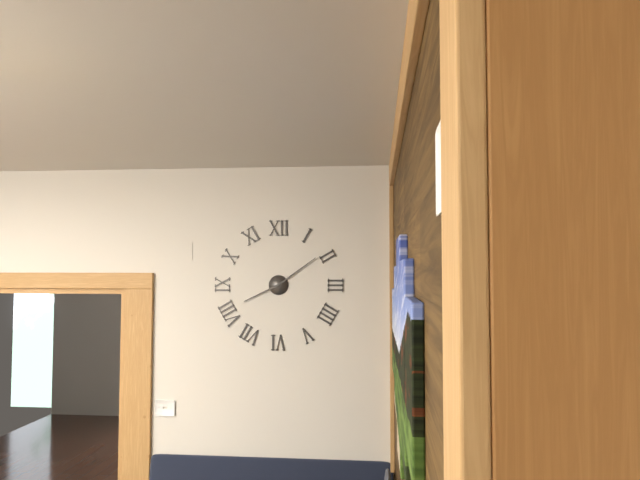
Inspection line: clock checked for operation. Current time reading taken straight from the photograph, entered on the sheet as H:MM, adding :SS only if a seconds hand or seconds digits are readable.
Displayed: 8:09
